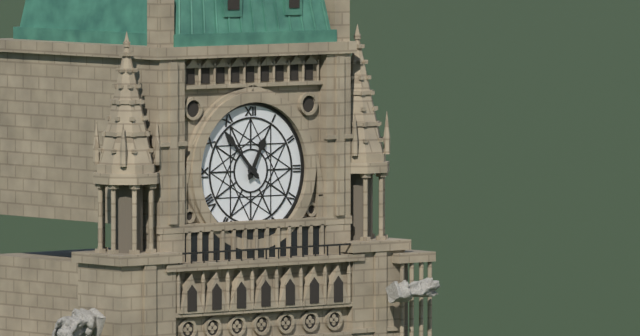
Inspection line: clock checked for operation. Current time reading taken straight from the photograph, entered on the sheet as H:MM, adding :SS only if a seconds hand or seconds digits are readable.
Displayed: 12:53
